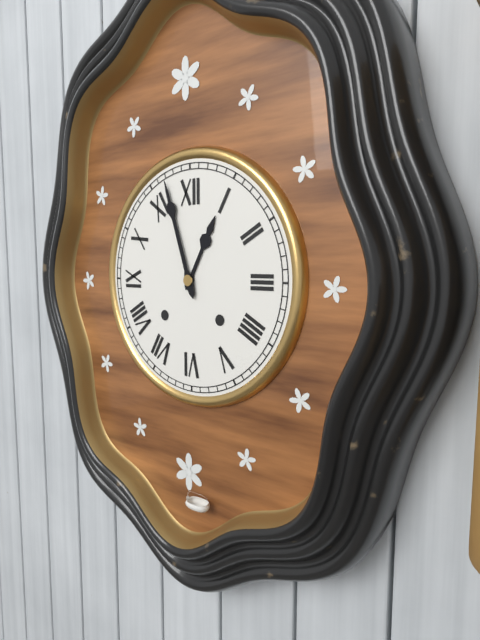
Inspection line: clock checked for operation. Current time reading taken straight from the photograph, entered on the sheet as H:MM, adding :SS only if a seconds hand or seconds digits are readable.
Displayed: 12:57
